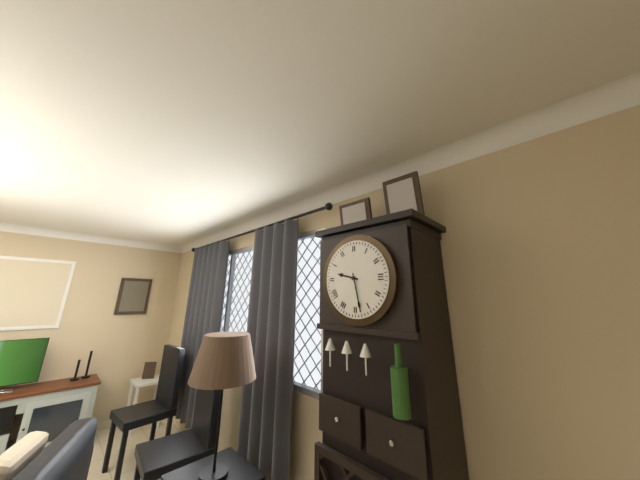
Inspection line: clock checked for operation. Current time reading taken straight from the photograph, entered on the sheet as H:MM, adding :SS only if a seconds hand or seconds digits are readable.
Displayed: 9:28
